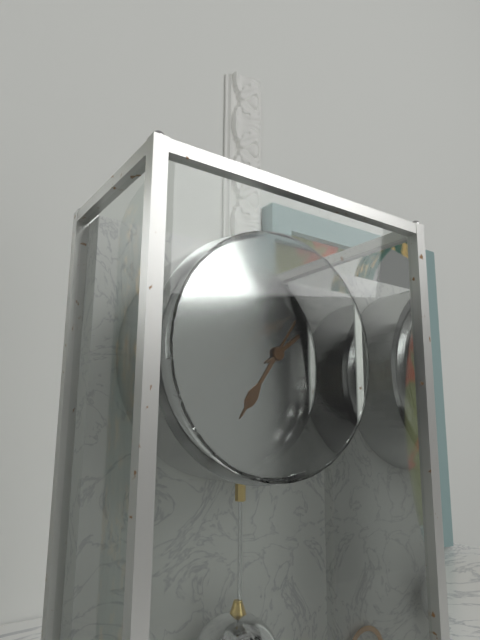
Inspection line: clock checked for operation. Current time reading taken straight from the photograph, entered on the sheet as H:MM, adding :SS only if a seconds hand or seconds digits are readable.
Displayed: 7:09
